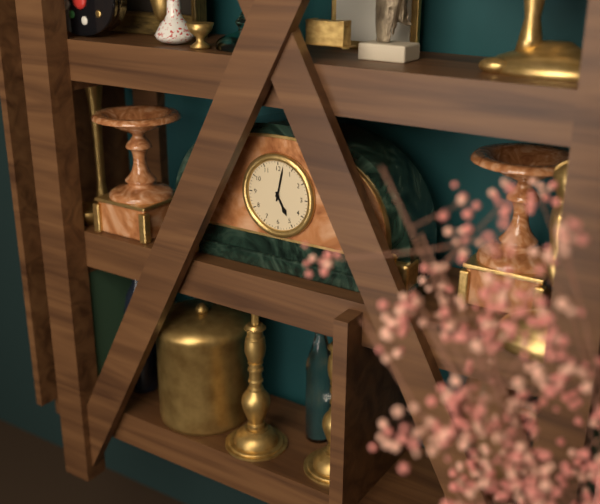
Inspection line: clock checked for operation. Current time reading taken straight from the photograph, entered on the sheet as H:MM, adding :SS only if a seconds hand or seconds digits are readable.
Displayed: 5:02
